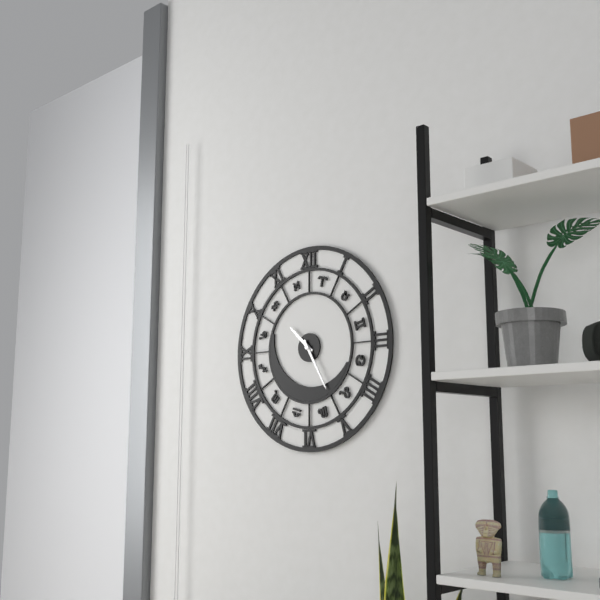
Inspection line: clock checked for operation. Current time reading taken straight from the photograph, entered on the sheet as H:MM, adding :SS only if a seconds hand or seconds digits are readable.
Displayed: 10:25
